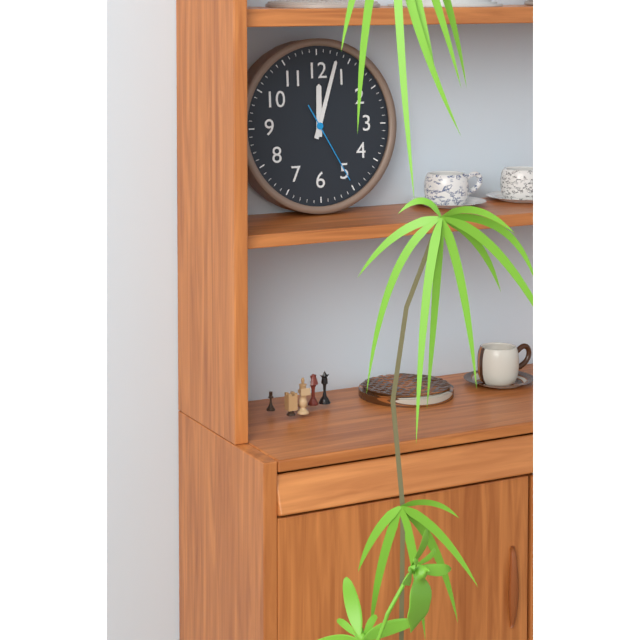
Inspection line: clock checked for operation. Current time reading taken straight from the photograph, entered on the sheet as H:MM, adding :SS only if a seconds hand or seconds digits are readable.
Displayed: 12:03:25
